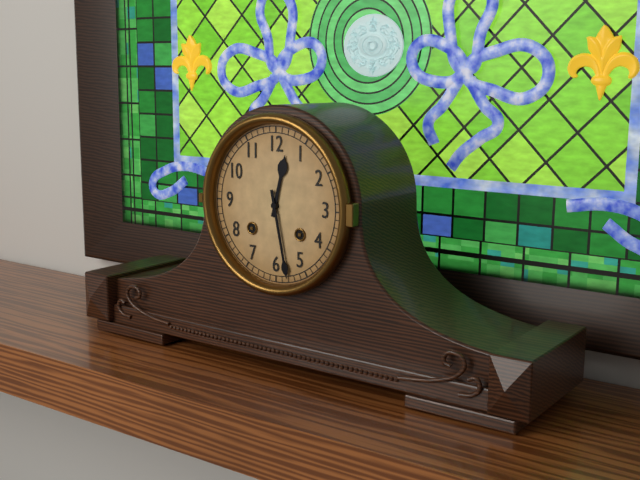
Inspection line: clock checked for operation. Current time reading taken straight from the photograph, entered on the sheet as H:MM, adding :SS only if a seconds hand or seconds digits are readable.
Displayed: 12:28
